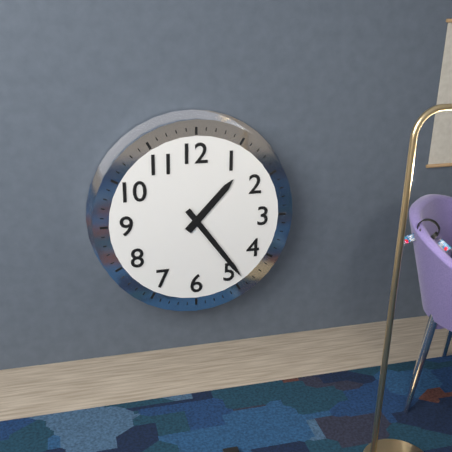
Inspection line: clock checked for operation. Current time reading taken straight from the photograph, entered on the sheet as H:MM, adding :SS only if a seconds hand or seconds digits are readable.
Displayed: 1:24
